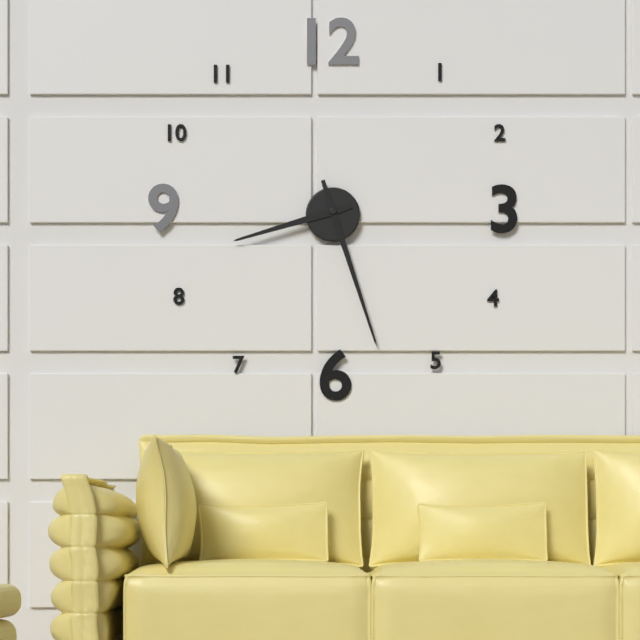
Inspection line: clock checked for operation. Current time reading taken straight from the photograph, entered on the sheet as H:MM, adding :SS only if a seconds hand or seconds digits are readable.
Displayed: 8:27
